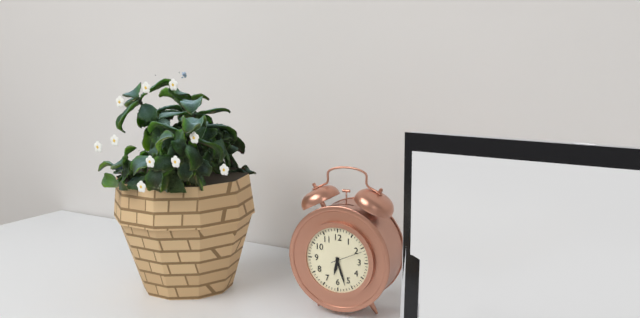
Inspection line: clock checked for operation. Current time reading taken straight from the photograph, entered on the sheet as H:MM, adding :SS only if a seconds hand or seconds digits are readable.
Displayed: 6:27
